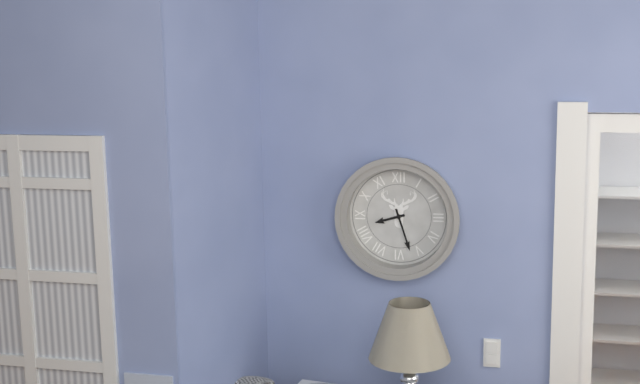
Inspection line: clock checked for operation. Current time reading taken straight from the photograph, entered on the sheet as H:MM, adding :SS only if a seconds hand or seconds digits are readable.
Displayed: 8:27
